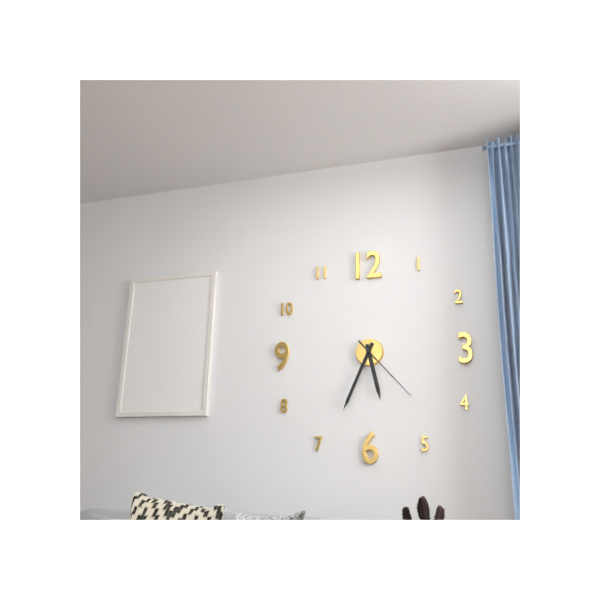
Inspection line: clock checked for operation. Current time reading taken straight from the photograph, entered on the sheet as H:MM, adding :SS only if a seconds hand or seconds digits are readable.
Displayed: 5:34:23
